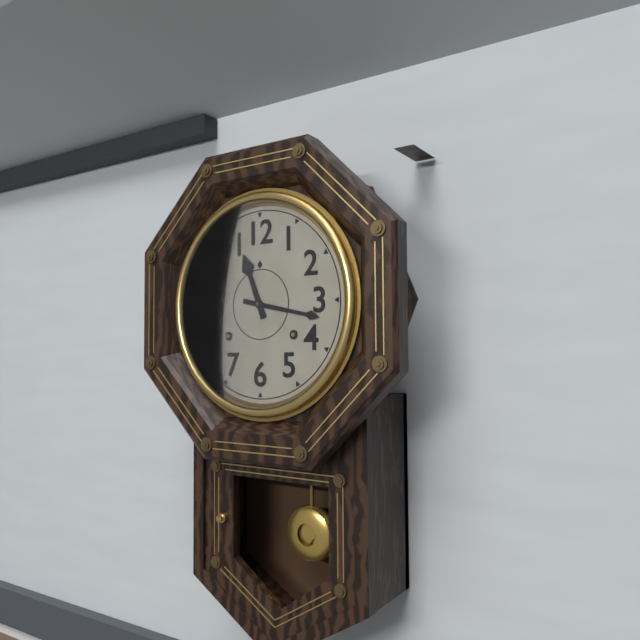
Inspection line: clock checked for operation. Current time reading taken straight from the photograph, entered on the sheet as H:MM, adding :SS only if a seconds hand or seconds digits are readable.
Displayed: 11:17
